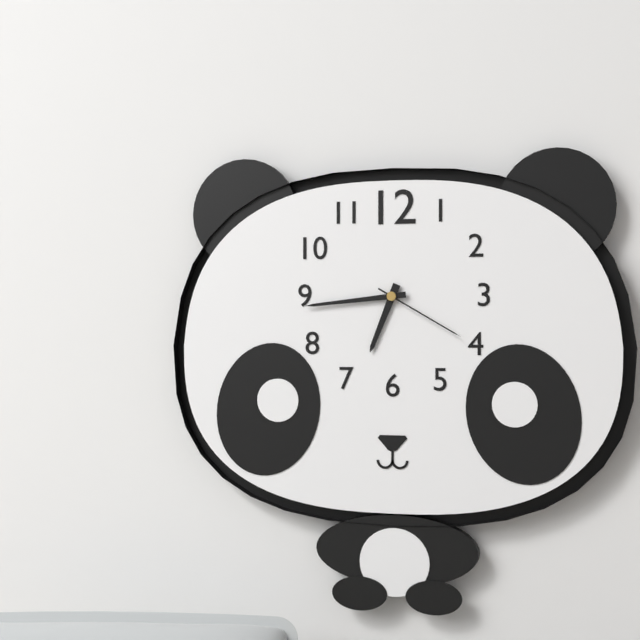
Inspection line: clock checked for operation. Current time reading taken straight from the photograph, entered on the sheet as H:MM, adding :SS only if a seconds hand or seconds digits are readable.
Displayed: 6:44:20
